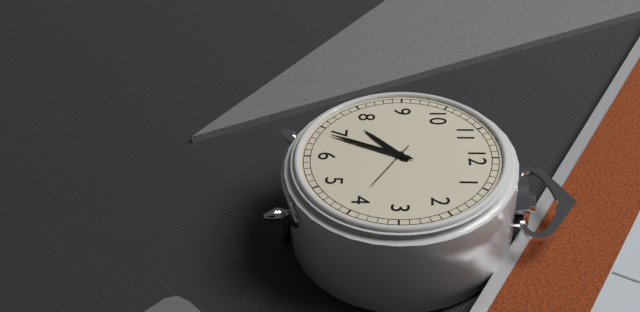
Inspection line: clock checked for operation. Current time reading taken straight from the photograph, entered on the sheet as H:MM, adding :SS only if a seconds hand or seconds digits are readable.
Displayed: 7:34:20
